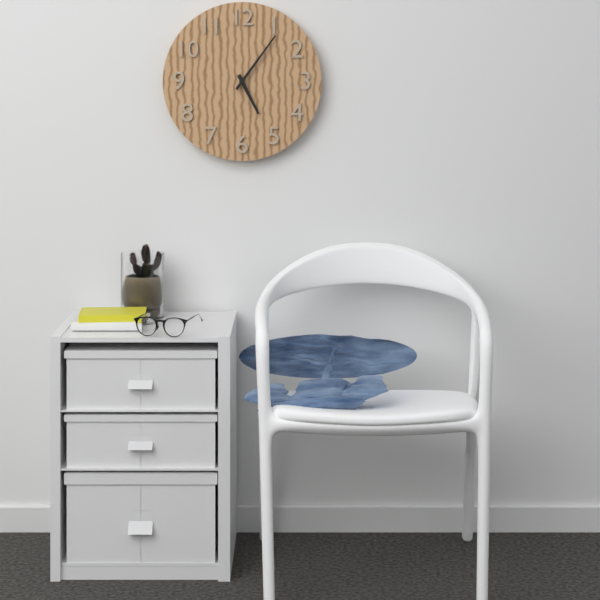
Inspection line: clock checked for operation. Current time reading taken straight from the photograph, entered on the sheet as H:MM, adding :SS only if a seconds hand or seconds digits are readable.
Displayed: 5:06
